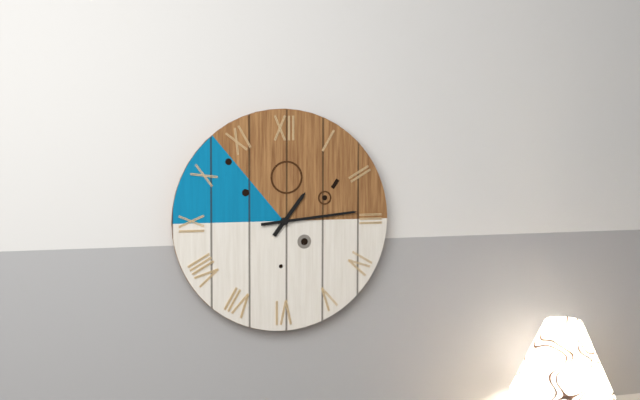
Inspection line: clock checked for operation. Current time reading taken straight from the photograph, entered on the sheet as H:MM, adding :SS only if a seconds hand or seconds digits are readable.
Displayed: 1:14
